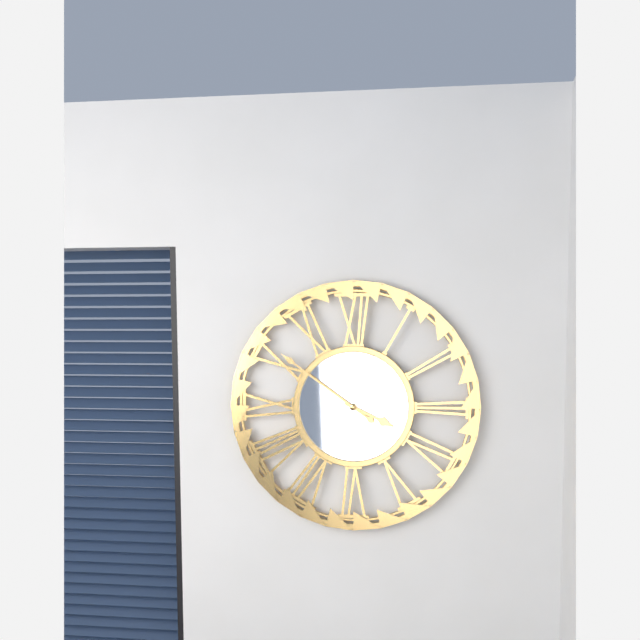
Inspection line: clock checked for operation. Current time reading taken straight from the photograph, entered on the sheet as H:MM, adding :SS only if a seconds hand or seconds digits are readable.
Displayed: 3:51
